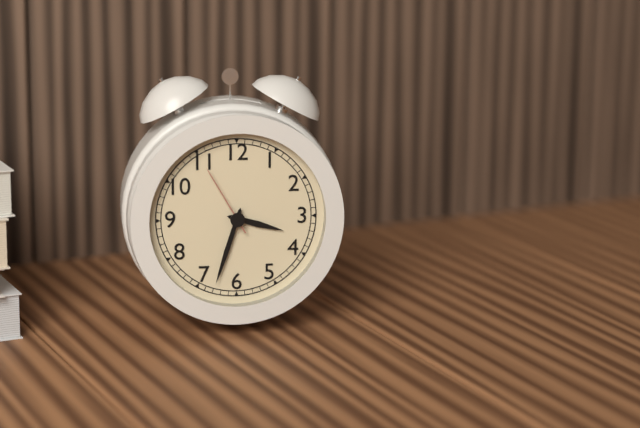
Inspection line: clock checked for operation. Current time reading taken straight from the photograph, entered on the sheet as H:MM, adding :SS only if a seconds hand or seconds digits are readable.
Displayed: 3:33:55
